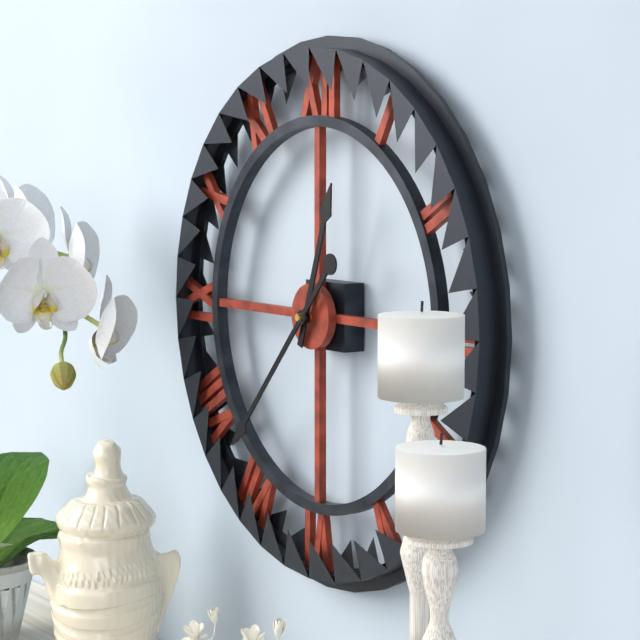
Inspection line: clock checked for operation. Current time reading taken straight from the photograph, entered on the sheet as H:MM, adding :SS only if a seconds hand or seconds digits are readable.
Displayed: 12:37
